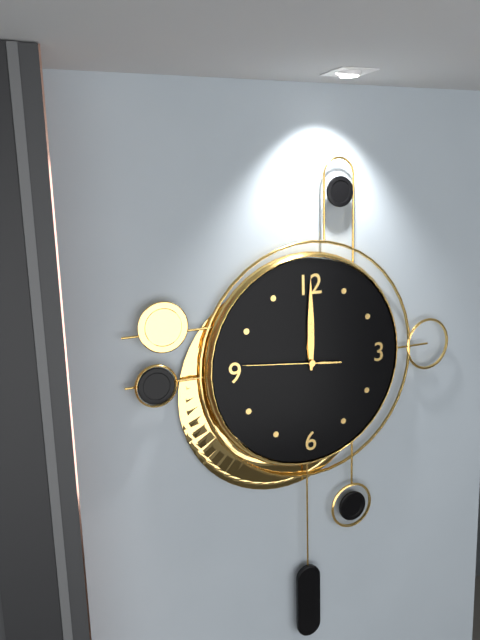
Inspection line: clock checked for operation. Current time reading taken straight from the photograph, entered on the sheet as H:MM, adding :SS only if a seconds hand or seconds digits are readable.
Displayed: 12:00:46
